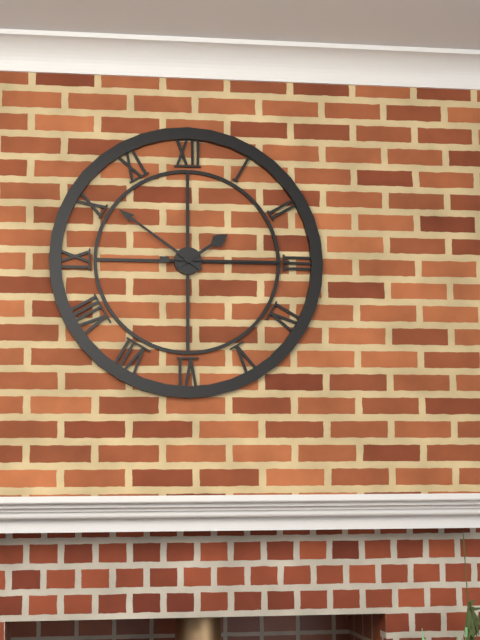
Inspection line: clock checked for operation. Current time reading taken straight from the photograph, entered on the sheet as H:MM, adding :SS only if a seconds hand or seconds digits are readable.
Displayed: 1:51:15
